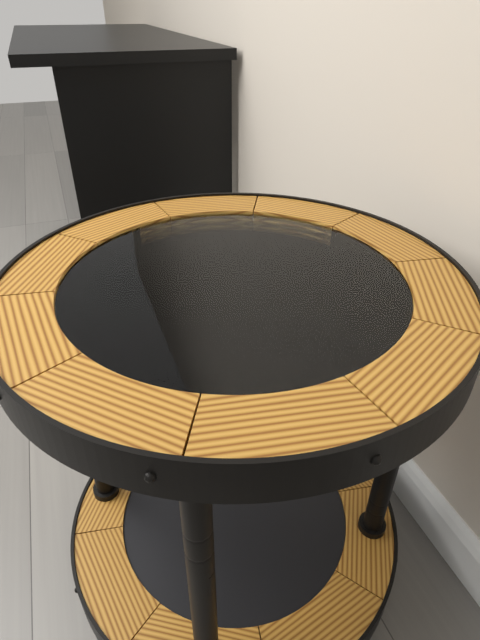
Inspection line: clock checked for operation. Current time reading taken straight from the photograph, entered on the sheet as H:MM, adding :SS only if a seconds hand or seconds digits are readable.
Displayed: 5:40
